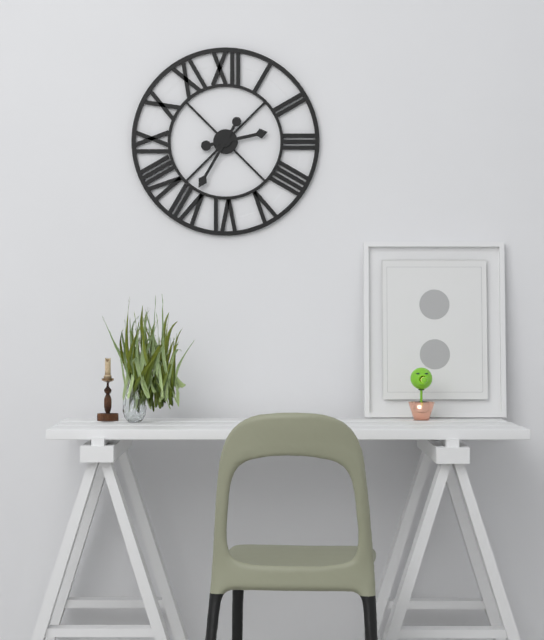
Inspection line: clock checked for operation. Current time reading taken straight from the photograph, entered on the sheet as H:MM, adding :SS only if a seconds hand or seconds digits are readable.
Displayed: 2:35
